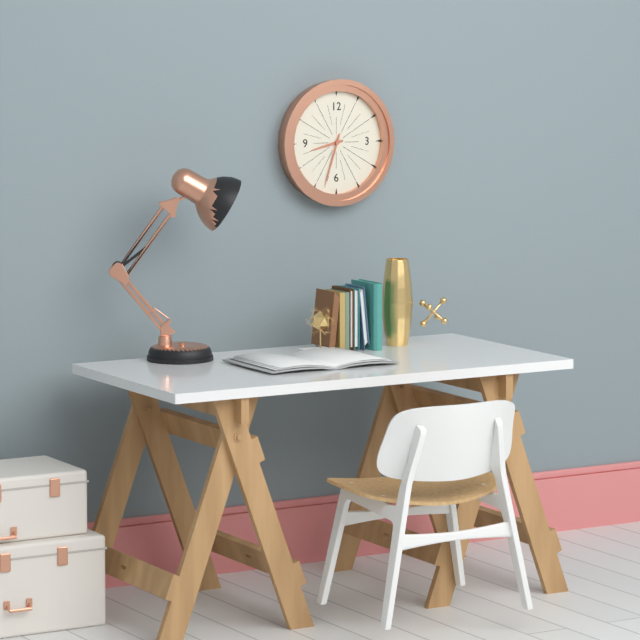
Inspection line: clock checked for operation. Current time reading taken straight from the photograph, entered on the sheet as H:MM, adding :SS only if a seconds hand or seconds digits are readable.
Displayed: 8:33
